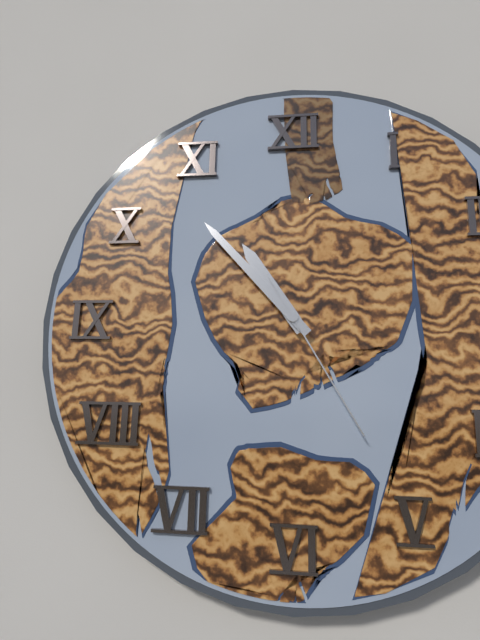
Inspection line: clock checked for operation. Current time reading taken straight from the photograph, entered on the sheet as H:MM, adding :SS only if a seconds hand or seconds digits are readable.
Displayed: 10:53:25
